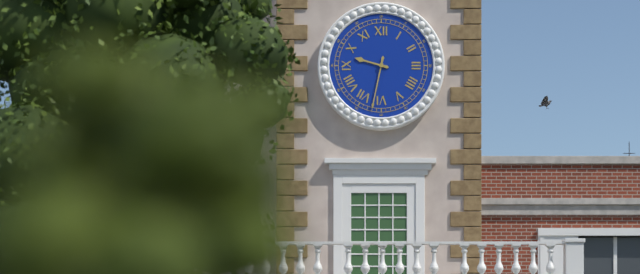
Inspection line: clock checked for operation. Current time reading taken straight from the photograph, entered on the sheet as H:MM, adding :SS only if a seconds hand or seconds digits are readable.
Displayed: 9:32
